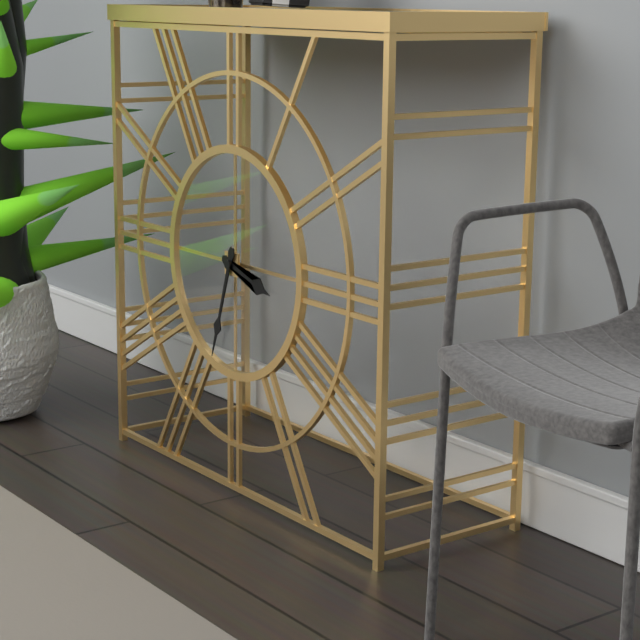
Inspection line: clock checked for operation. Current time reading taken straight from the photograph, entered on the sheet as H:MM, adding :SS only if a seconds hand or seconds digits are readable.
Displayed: 3:33
